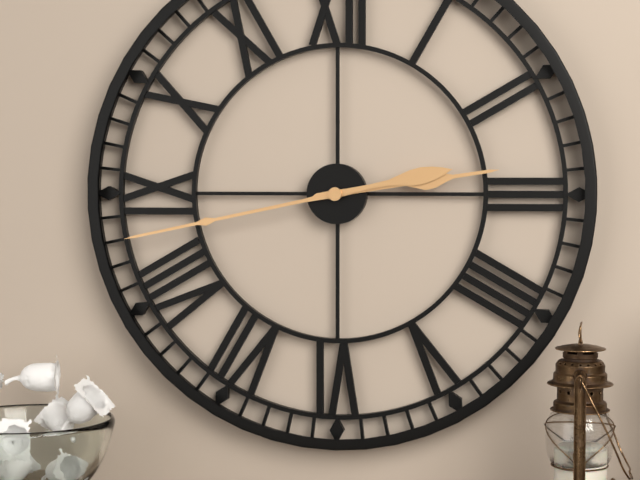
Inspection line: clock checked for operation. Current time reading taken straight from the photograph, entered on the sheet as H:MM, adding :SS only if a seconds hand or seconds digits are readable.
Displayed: 2:43
